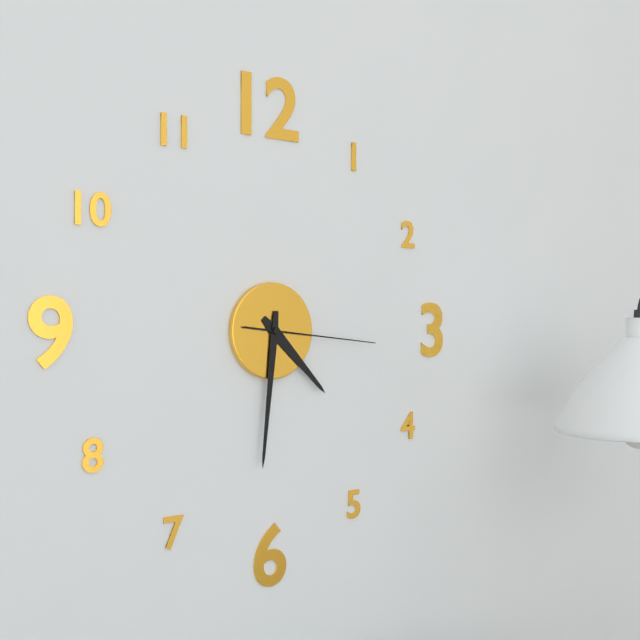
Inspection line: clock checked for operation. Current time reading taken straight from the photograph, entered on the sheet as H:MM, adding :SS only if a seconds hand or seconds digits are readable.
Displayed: 4:31:16
